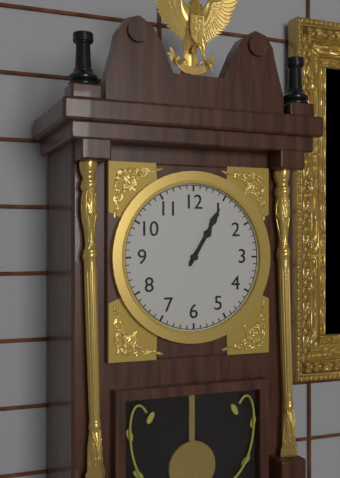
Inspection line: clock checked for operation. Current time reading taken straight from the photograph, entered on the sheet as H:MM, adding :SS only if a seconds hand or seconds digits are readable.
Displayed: 1:05
